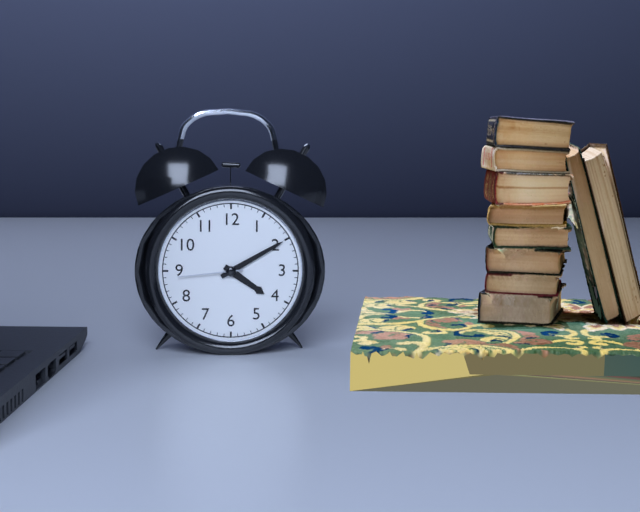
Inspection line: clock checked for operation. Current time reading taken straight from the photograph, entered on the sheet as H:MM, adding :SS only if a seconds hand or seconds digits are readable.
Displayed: 4:10:44
